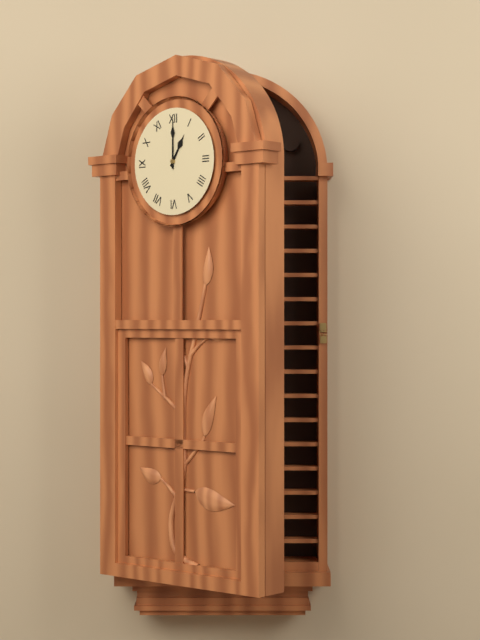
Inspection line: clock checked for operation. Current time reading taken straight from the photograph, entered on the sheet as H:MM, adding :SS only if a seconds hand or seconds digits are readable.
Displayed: 1:00
